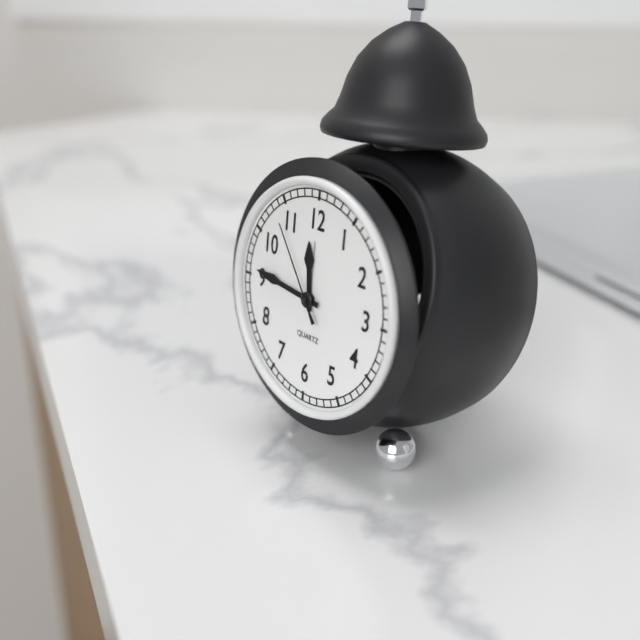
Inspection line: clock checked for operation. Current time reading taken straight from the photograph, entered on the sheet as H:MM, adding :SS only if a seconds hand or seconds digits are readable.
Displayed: 11:46:54
